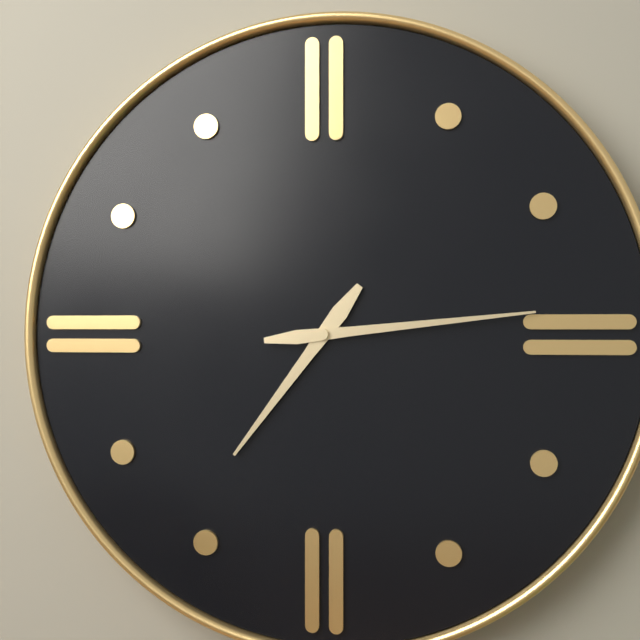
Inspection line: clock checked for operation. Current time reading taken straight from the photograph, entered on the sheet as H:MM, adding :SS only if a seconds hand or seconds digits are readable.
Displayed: 7:14
